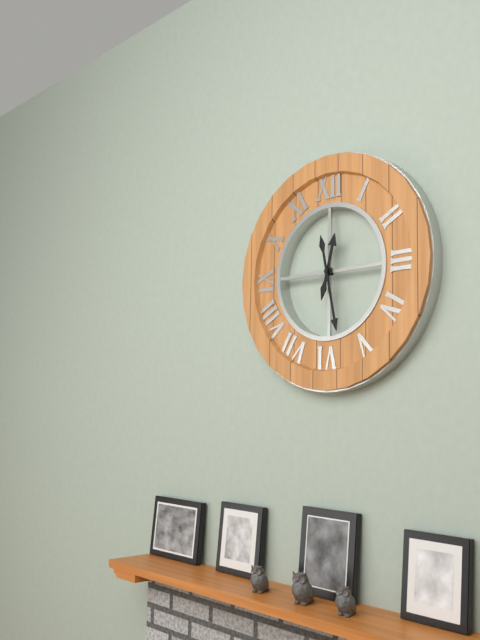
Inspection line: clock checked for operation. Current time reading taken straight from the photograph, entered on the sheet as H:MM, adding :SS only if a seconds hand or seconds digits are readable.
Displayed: 12:28
